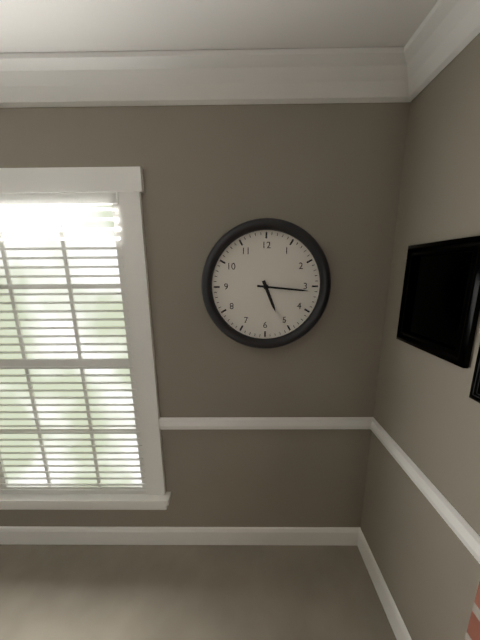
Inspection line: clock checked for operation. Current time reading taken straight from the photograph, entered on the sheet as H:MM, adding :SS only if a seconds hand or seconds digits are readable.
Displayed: 5:16
